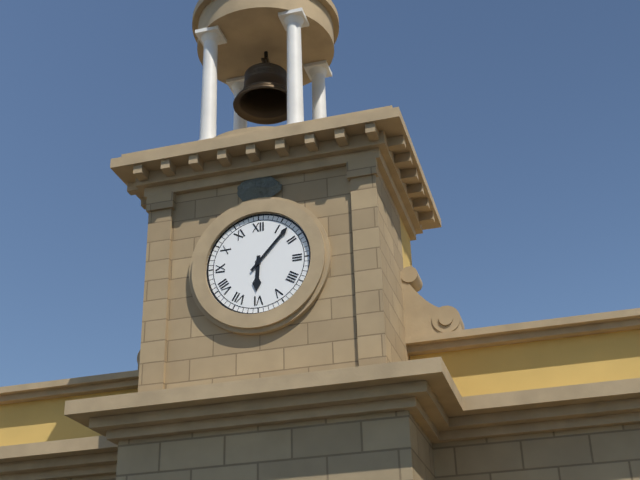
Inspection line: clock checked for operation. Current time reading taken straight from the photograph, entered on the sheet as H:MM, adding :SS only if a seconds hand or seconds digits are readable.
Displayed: 6:07
